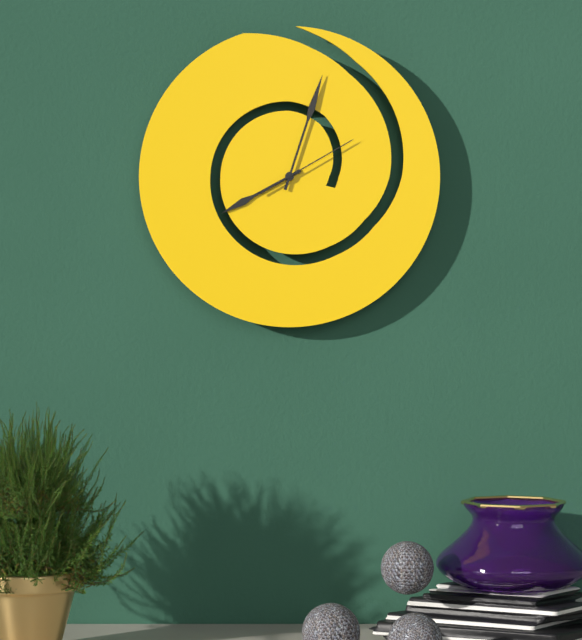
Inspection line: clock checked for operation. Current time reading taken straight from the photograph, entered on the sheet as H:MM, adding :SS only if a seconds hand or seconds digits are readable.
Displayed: 8:03:10
